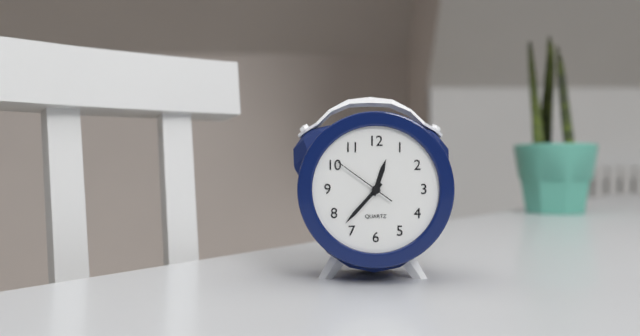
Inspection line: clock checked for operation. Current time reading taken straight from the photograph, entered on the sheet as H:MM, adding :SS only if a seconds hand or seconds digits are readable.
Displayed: 12:37:51
